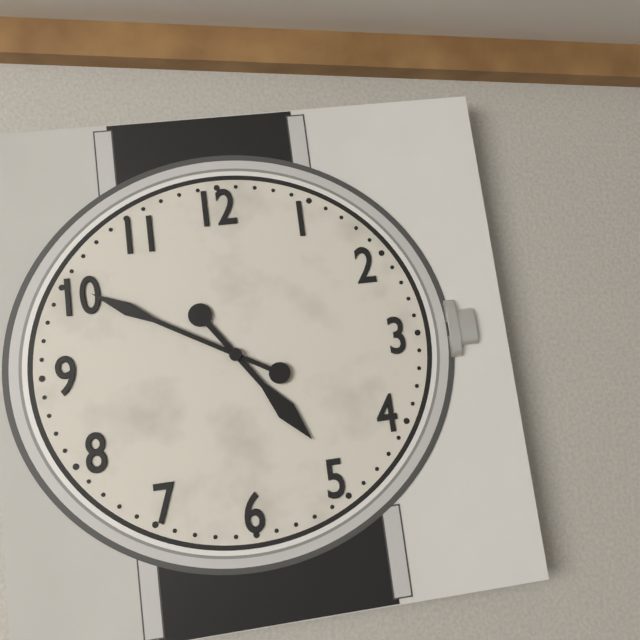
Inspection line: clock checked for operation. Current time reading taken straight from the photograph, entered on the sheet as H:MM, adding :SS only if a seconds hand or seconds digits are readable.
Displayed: 4:50
